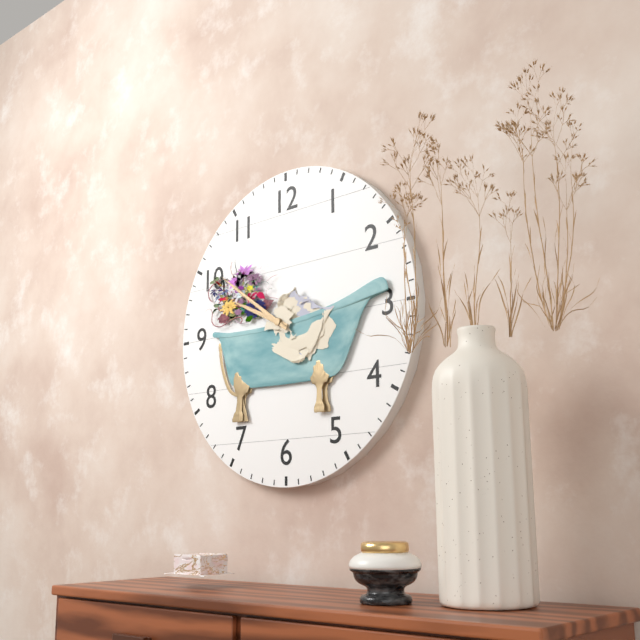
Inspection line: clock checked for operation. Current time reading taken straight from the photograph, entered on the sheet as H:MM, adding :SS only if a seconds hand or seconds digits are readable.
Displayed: 9:51
